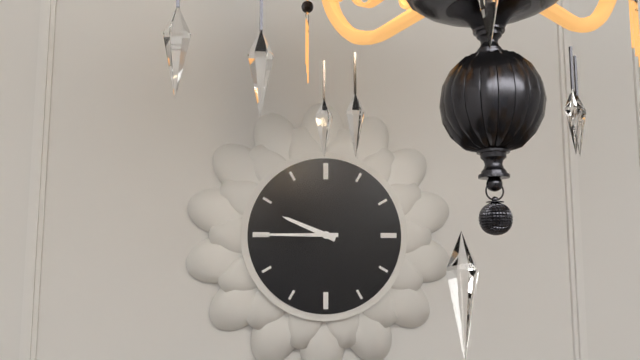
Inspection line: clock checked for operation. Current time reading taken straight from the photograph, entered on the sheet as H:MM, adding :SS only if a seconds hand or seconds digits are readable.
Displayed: 9:45
